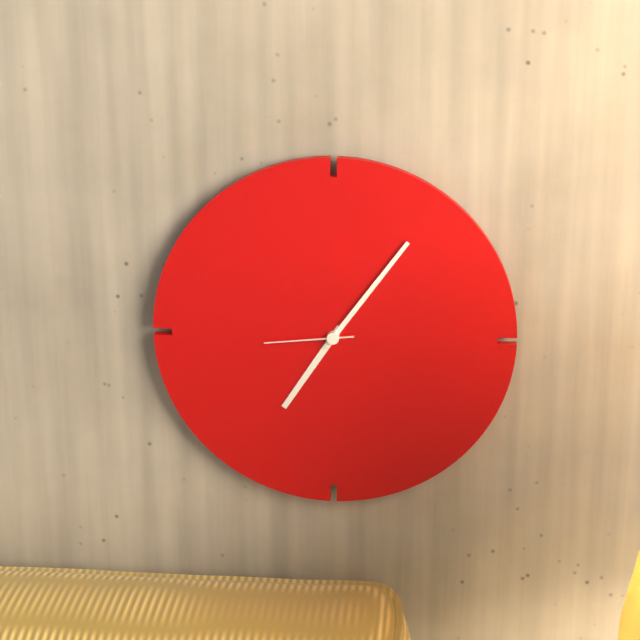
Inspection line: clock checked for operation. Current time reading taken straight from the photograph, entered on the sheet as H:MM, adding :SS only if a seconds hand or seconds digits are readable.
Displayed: 7:06:44
